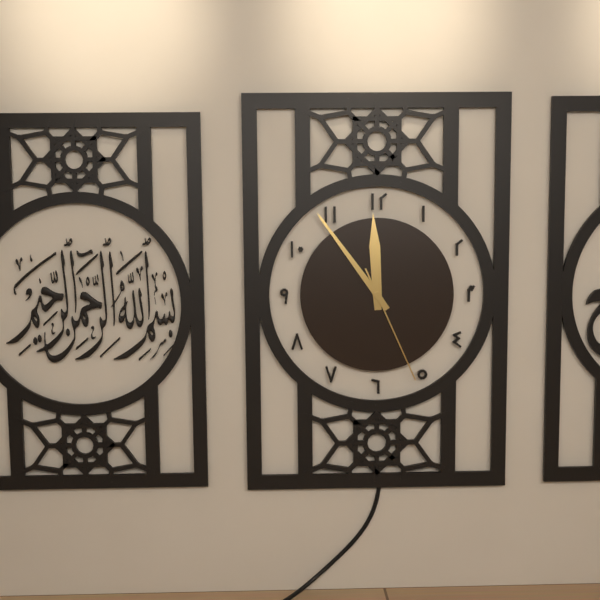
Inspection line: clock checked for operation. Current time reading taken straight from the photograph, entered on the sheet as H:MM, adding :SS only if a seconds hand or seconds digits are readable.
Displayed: 11:54:26
